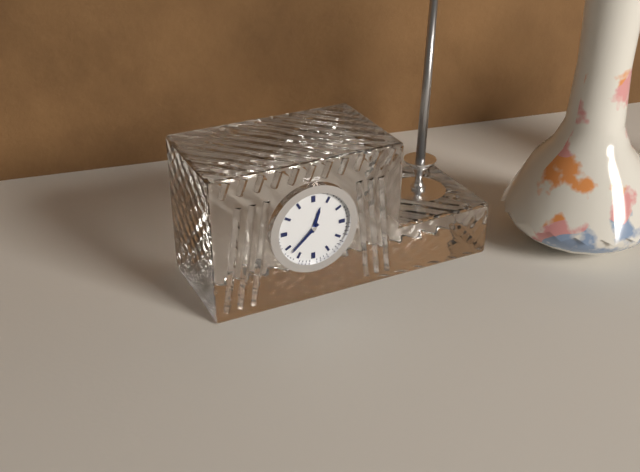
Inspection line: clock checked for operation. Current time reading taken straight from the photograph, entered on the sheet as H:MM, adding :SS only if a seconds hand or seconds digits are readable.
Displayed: 12:38
